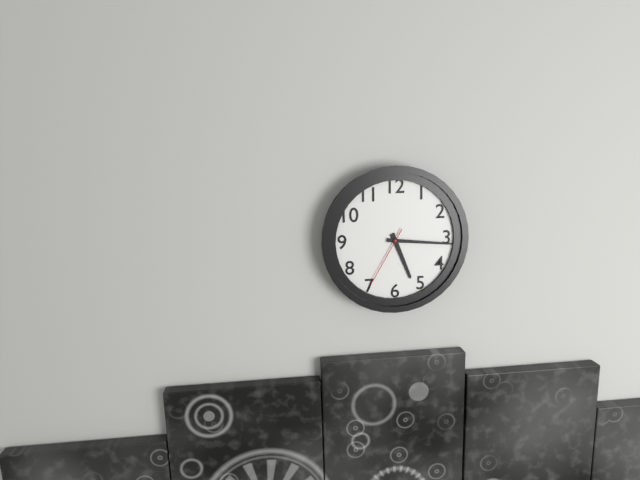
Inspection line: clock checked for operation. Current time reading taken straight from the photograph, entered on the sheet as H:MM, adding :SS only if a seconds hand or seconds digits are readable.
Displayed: 5:16:35
